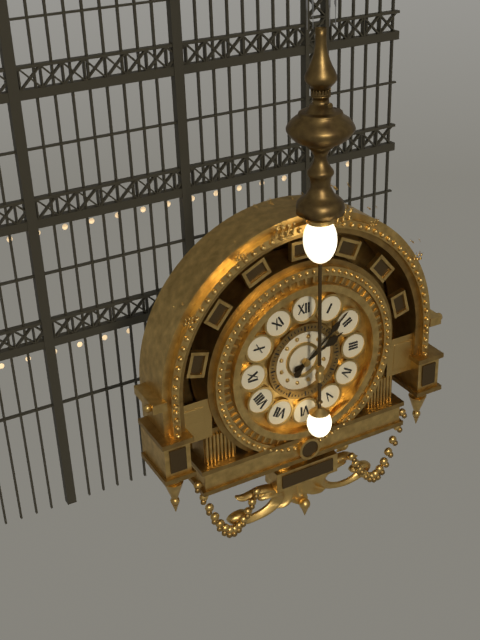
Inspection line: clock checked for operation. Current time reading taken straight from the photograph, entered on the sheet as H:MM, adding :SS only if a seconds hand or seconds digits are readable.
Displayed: 2:08
